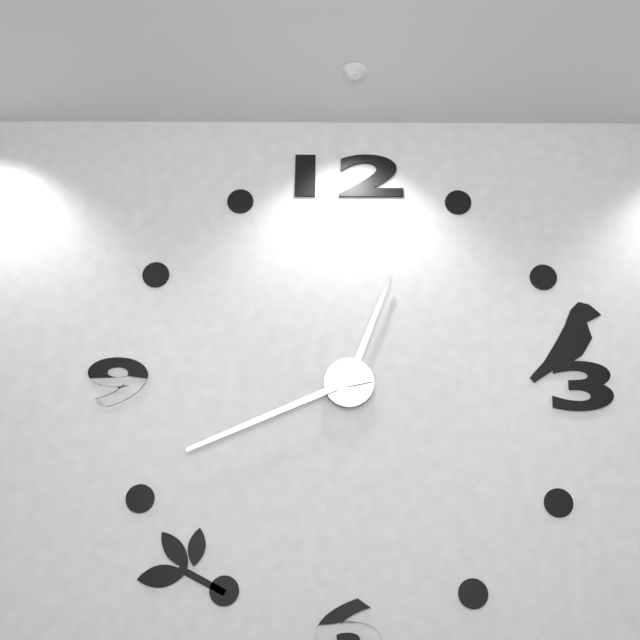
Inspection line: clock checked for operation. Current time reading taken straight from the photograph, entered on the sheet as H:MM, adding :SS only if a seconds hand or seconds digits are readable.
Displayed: 12:41
